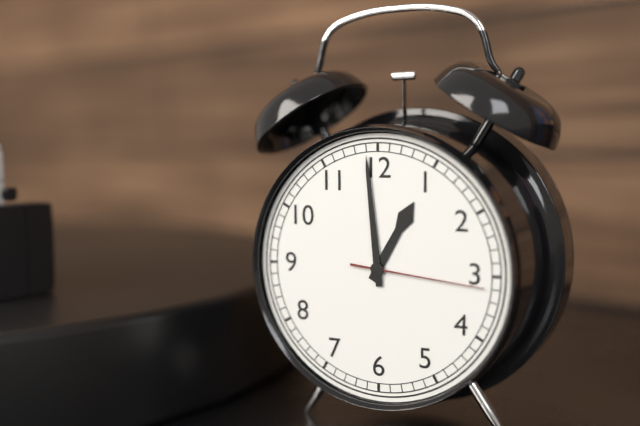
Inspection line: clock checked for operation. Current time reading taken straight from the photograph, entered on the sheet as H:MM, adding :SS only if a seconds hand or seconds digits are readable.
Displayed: 12:59:16
